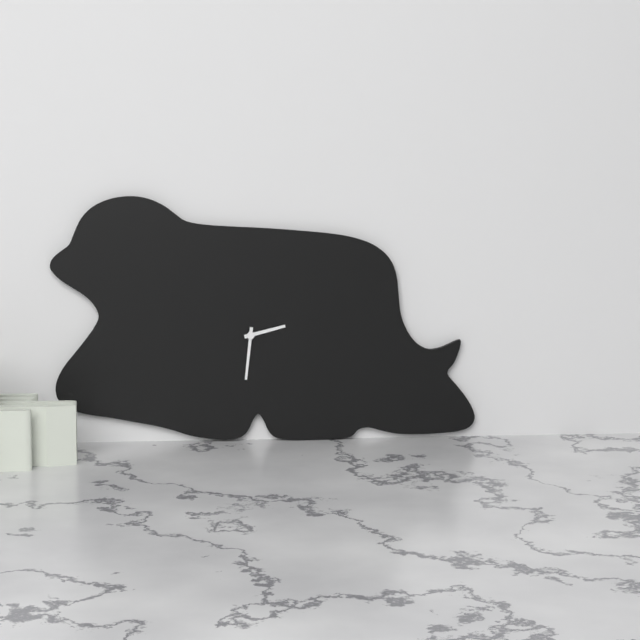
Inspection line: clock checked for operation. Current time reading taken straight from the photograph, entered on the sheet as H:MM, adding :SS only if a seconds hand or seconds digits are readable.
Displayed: 2:31
